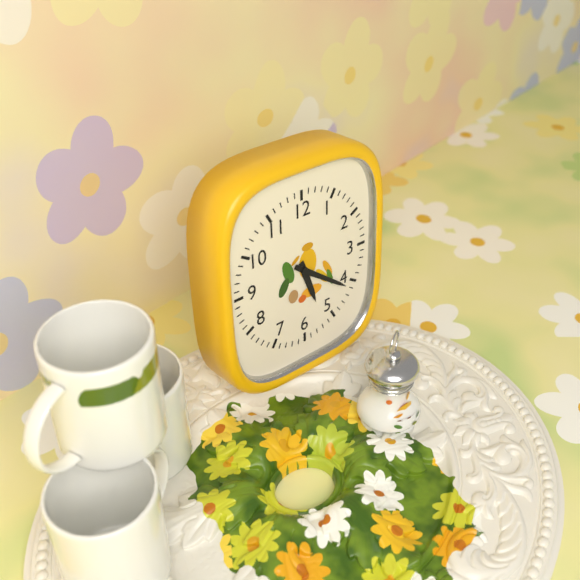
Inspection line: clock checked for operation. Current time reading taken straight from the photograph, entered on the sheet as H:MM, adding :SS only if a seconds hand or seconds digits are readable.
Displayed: 5:21
